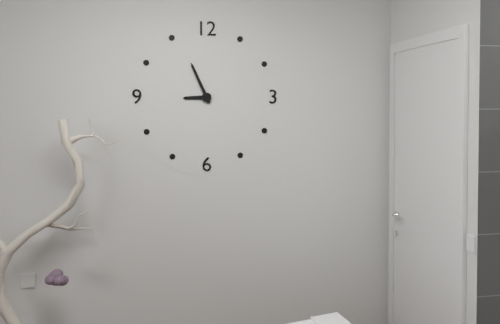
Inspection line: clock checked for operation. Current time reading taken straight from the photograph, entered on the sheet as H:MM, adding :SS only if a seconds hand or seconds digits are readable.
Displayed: 8:56
